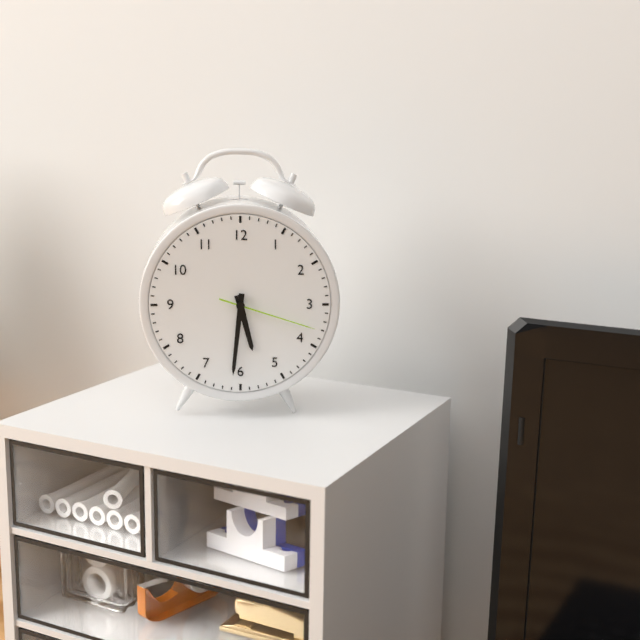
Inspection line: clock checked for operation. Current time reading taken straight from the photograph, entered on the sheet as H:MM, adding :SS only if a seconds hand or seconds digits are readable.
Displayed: 5:31:18
